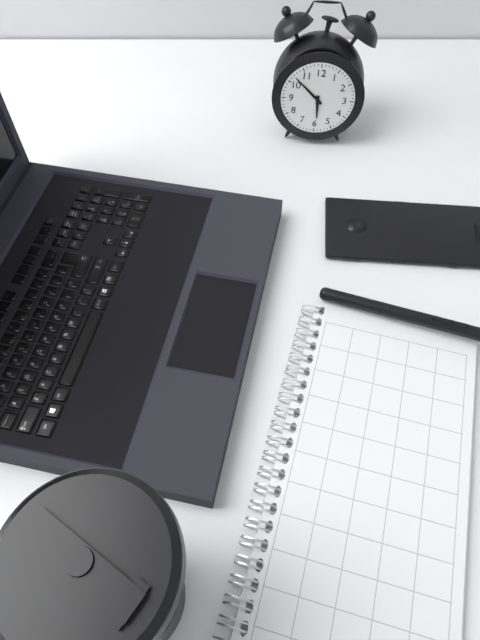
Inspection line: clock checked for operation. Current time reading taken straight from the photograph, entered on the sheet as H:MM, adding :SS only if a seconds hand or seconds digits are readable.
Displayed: 5:52
